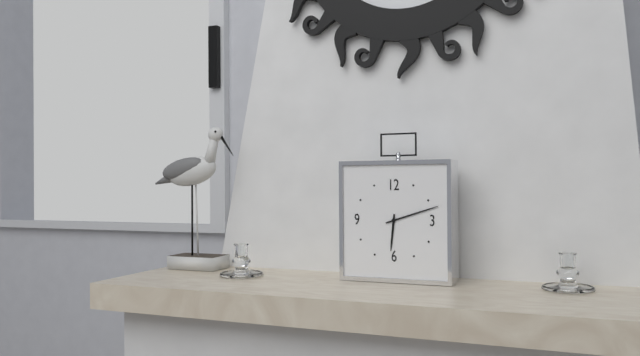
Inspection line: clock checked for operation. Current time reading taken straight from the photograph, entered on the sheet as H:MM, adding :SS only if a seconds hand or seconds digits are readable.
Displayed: 6:12
